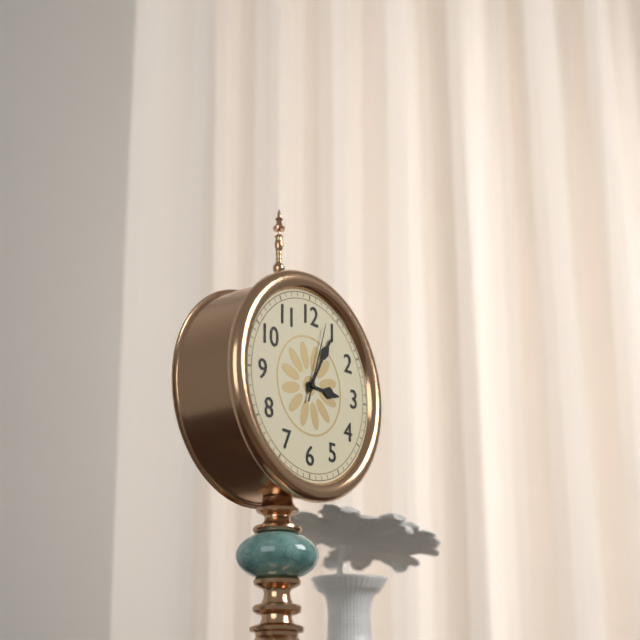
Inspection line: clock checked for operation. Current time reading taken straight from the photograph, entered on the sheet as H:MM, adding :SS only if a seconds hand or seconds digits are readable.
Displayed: 3:05:03
